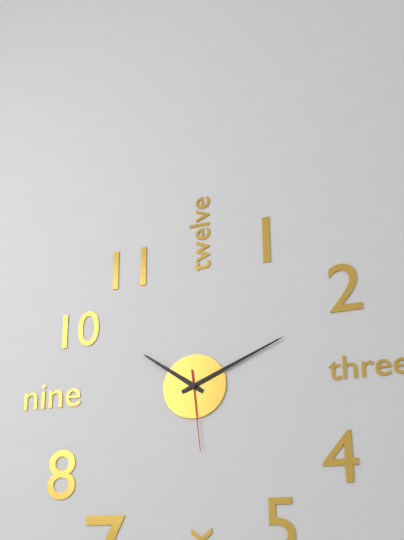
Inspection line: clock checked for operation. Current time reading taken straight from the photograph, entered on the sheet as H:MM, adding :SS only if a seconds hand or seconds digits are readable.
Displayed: 10:11:29
